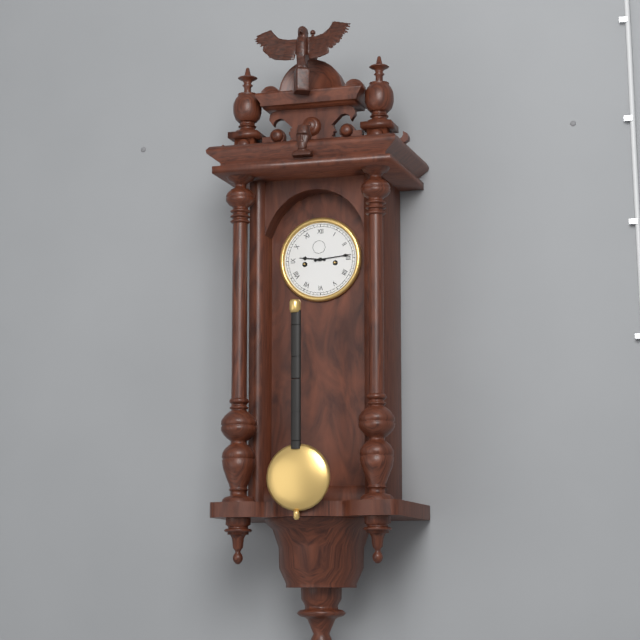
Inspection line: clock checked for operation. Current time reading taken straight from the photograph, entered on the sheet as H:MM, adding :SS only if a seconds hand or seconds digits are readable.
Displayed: 9:14
